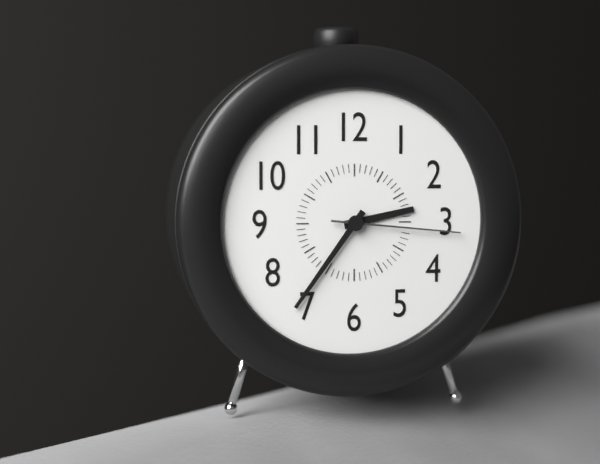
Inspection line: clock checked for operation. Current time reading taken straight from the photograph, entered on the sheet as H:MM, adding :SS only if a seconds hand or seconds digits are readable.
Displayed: 2:36:16
